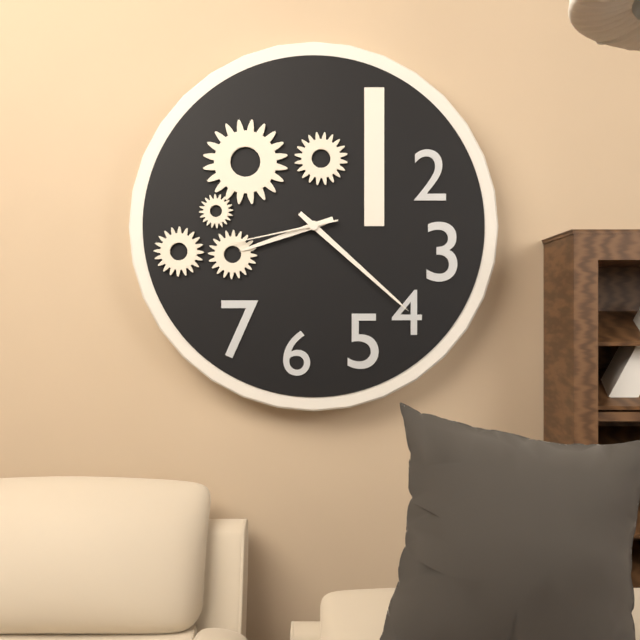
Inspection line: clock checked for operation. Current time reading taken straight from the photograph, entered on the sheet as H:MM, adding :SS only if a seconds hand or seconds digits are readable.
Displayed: 8:22:43
